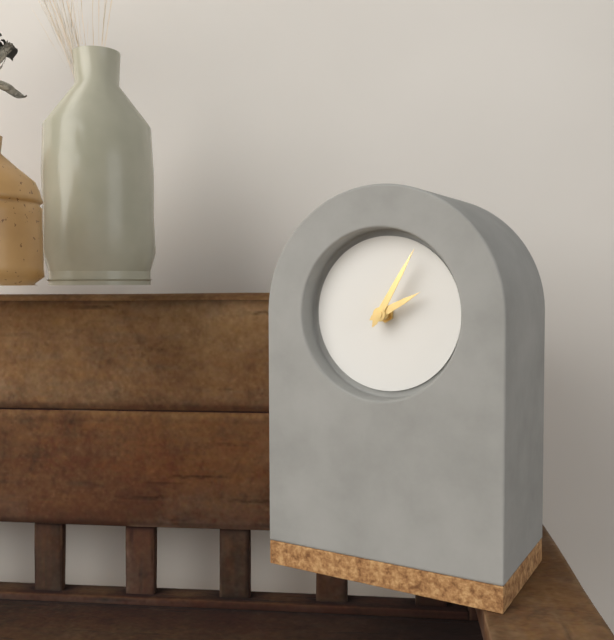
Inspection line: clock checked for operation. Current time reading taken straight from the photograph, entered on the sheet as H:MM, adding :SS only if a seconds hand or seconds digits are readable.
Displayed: 2:05
